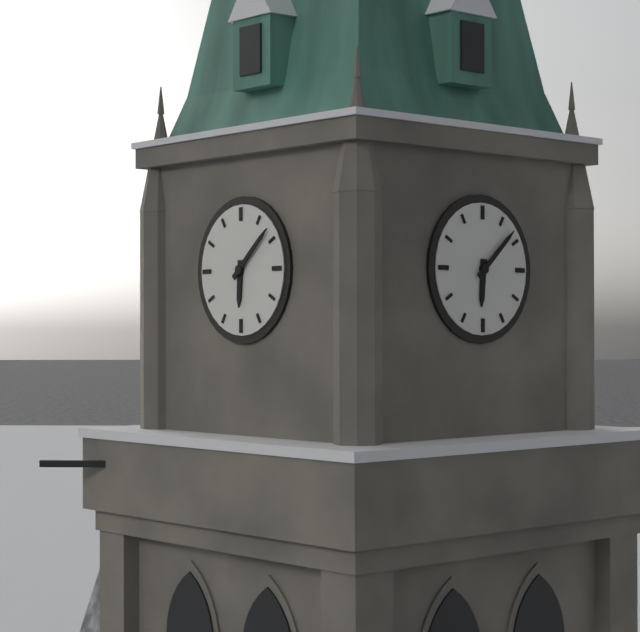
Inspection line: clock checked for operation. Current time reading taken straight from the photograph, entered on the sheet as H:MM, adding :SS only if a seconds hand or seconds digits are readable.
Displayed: 6:08
